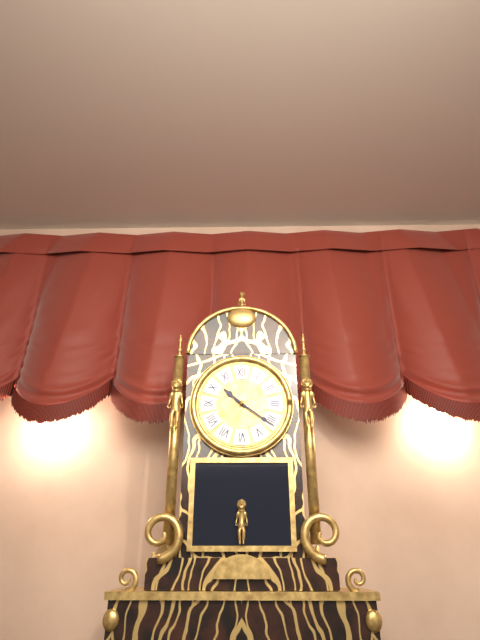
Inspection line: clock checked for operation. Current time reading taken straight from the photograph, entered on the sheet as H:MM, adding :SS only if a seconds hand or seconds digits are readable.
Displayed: 10:21
